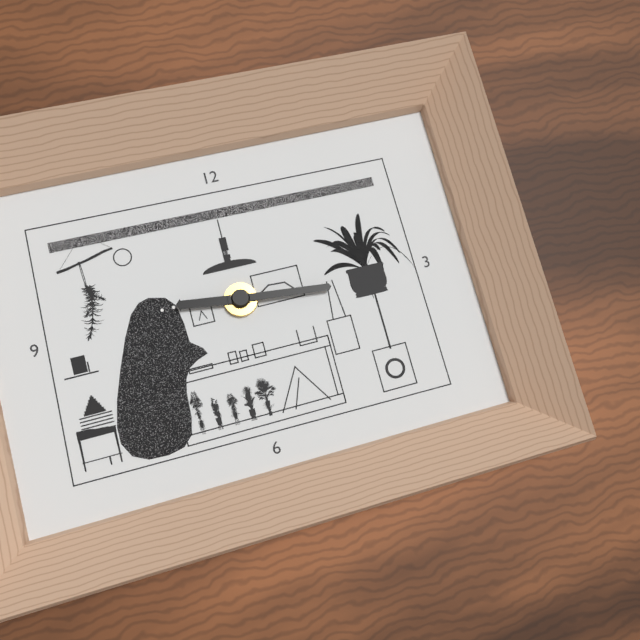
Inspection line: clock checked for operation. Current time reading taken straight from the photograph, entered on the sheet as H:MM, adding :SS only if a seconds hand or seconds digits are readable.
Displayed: 9:16
